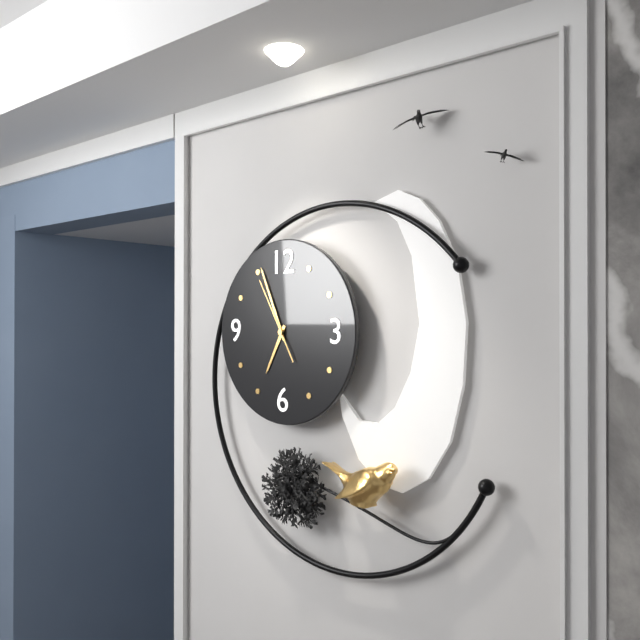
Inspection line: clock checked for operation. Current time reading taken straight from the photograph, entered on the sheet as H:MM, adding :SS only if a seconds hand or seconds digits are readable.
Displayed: 6:56:55
